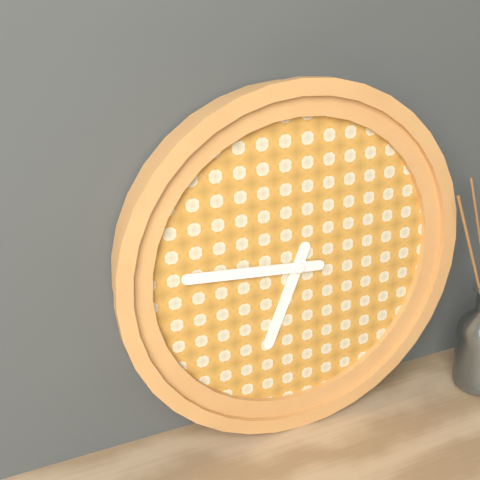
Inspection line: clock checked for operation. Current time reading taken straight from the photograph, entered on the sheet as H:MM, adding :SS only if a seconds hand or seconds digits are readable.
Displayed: 6:46
